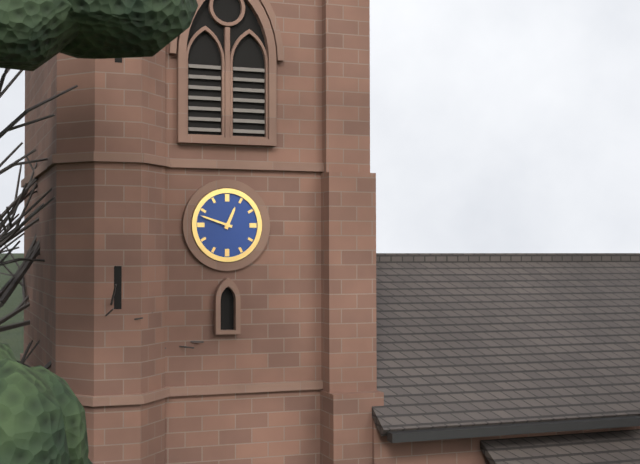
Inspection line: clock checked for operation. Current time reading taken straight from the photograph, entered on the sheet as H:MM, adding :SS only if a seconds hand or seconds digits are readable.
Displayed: 12:48
